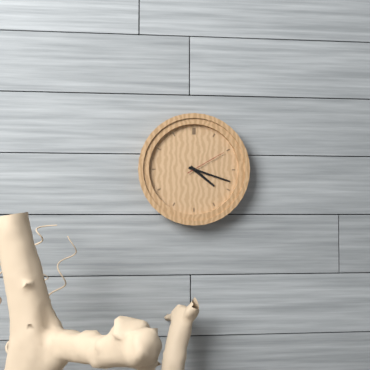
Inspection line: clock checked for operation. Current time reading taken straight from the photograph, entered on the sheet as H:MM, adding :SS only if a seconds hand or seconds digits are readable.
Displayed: 4:18
